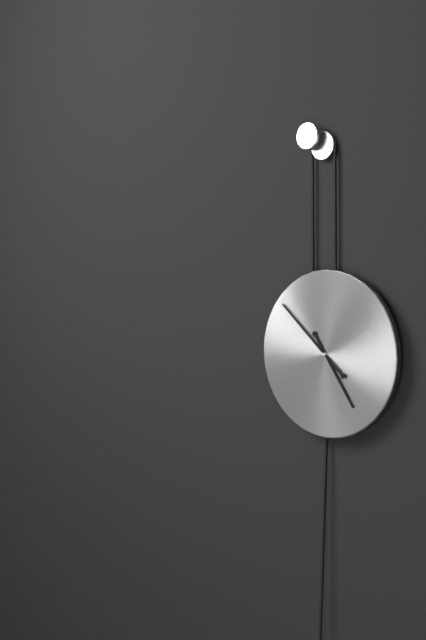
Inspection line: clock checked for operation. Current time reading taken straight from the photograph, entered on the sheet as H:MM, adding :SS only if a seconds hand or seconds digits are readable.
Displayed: 4:52
